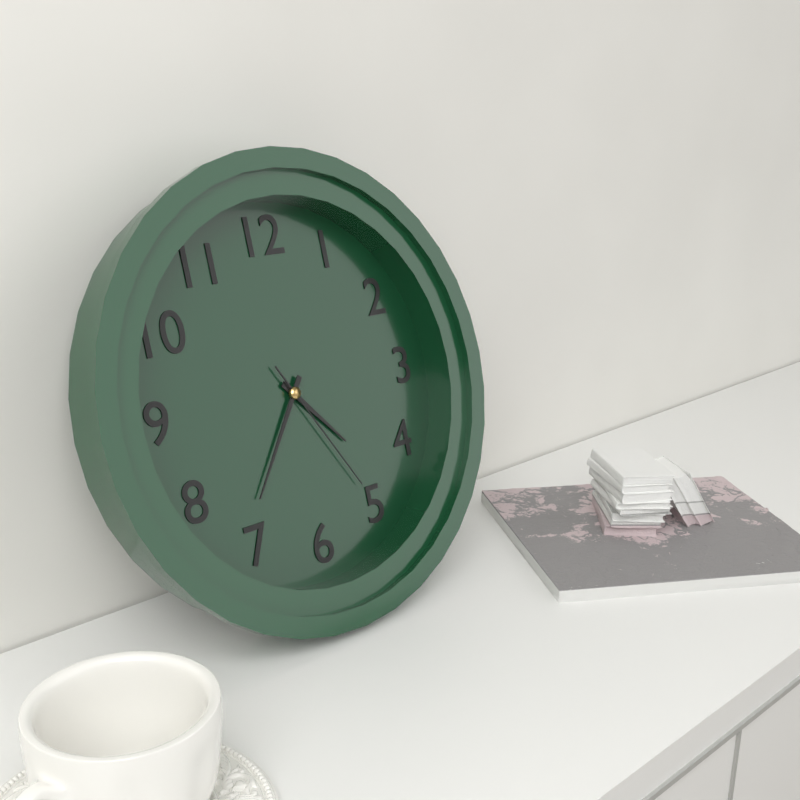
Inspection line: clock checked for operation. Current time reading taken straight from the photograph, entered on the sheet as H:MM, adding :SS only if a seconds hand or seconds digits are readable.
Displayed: 4:36:25
